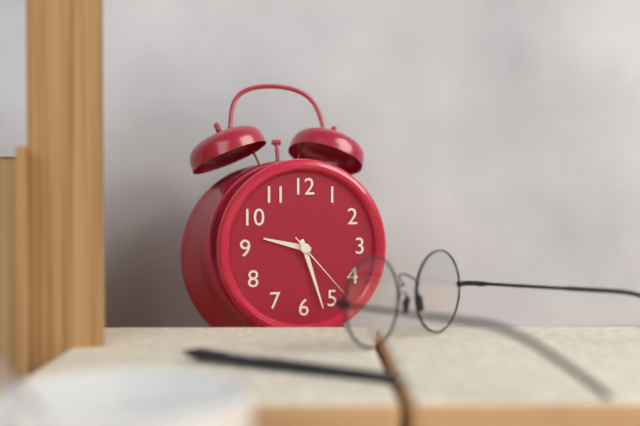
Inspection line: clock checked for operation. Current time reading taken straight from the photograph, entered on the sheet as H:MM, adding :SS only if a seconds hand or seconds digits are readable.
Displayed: 9:27:23
